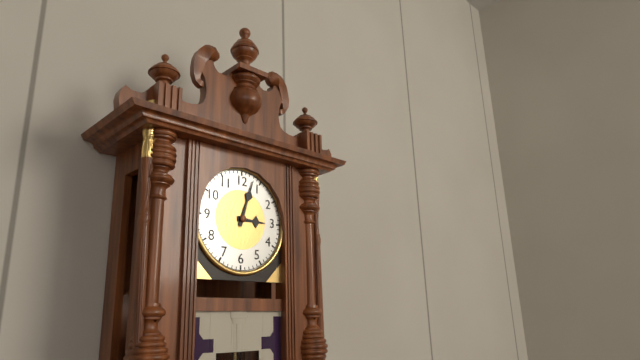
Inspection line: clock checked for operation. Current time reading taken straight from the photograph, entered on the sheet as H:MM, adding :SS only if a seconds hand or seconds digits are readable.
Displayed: 3:03
